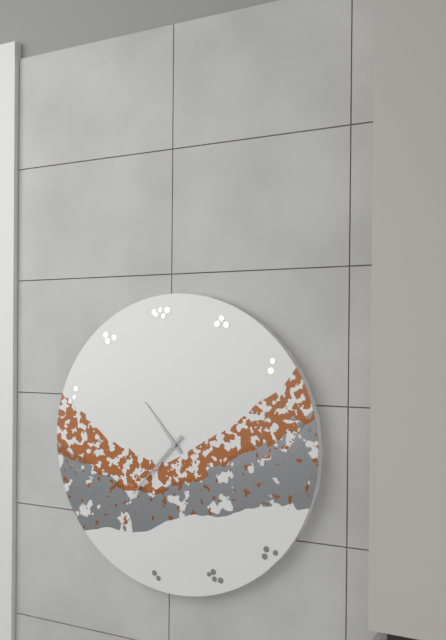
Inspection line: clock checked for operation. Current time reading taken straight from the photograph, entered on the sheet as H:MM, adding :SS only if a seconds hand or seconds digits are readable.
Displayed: 10:37
